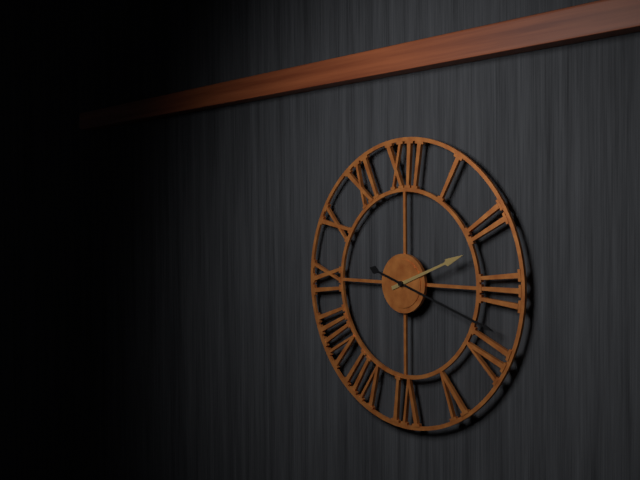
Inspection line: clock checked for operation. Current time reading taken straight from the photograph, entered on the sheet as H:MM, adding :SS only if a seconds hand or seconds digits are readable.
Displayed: 2:18
